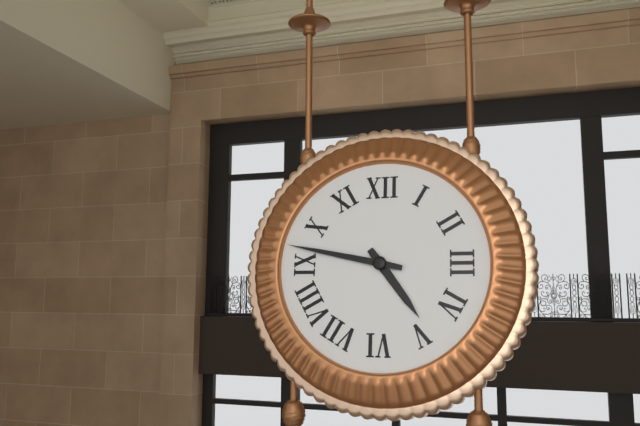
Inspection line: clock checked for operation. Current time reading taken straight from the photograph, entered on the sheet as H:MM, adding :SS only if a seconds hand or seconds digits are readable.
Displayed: 4:47
